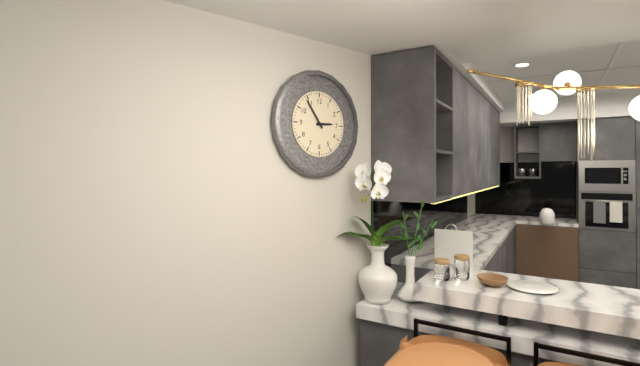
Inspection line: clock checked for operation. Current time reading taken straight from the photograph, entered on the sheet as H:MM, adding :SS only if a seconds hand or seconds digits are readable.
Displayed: 2:54
